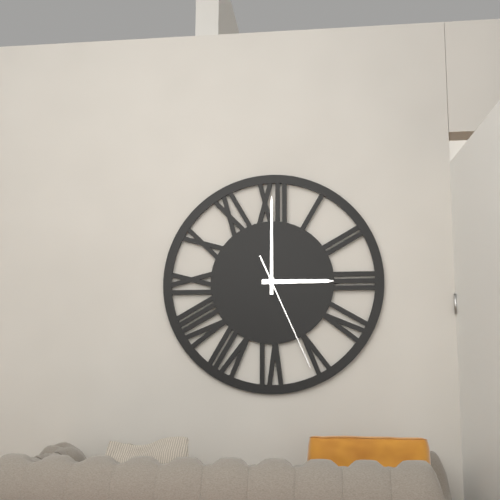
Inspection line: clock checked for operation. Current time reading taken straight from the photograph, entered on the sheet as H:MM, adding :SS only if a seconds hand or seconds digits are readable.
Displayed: 3:00:26
